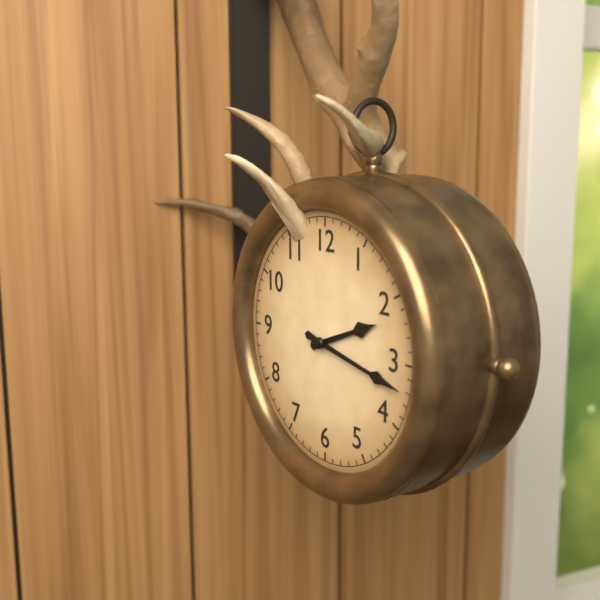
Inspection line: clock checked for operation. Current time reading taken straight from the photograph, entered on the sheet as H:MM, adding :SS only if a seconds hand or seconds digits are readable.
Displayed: 2:17
